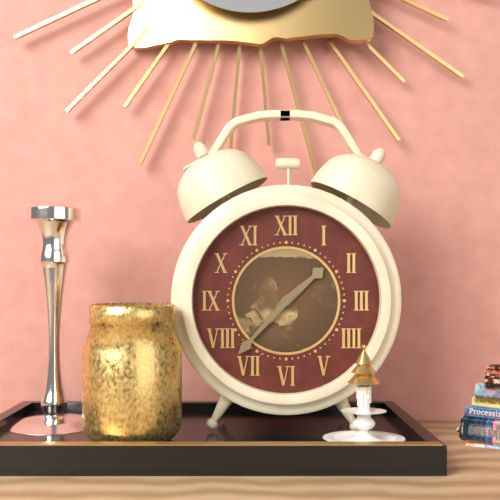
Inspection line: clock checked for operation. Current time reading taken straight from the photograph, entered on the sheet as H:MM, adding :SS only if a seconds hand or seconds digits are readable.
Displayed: 1:37
